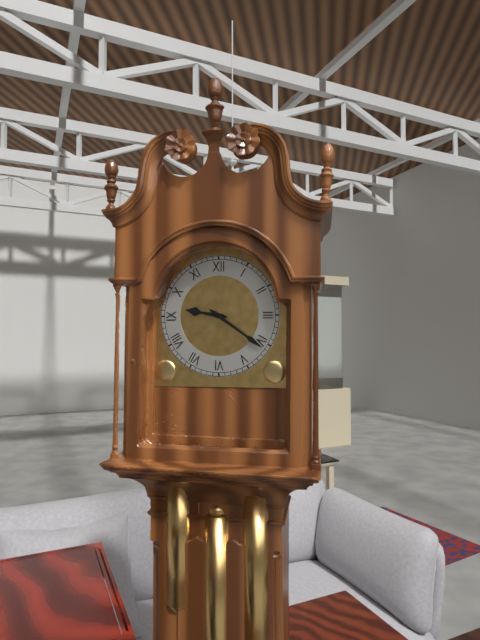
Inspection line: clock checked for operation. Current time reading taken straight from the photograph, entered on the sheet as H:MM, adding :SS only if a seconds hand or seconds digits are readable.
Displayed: 9:21
